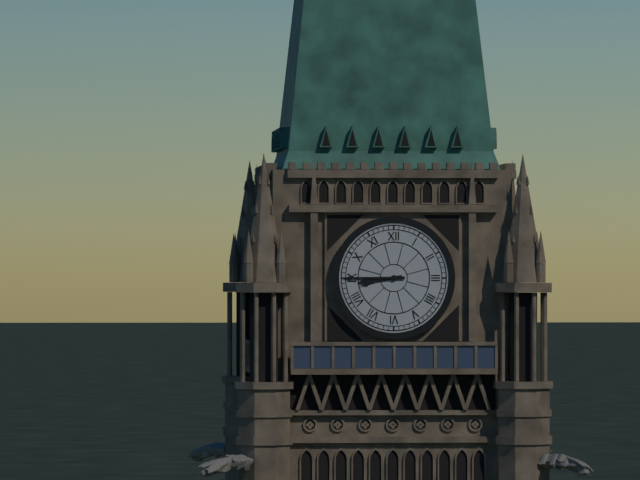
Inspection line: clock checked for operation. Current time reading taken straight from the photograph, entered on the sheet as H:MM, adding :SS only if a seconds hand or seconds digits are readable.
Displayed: 8:45
